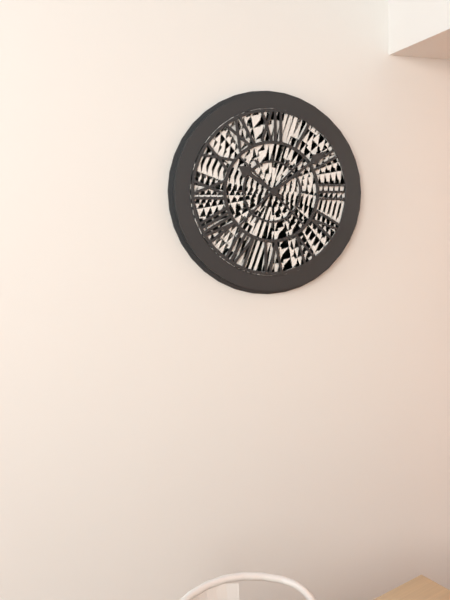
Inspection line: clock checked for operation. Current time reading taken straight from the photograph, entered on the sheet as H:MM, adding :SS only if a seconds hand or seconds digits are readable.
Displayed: 10:09
